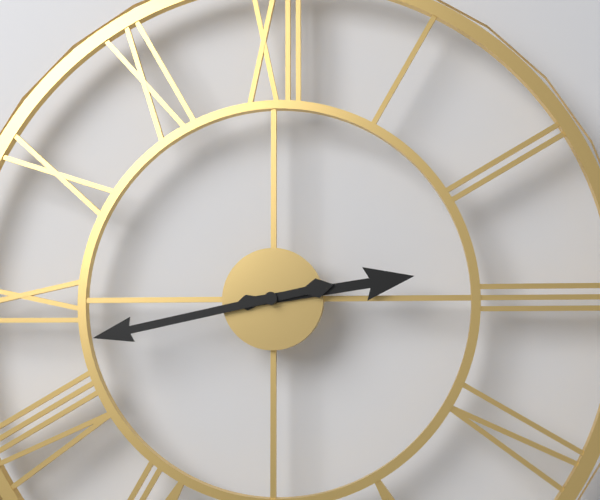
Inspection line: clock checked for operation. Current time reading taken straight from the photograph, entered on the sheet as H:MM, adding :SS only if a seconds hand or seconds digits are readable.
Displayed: 2:43
